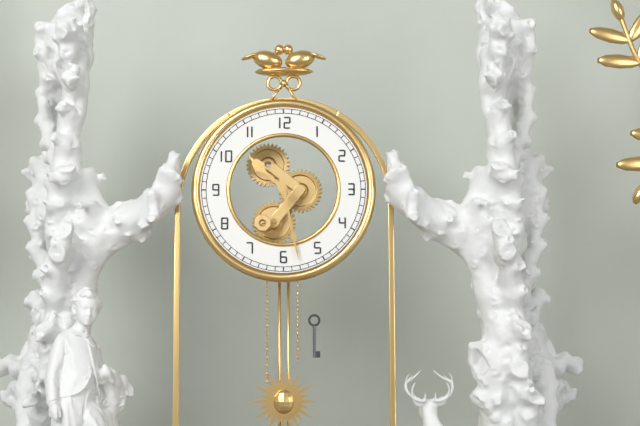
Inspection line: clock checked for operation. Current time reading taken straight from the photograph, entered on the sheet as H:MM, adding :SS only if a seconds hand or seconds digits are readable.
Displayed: 10:28
